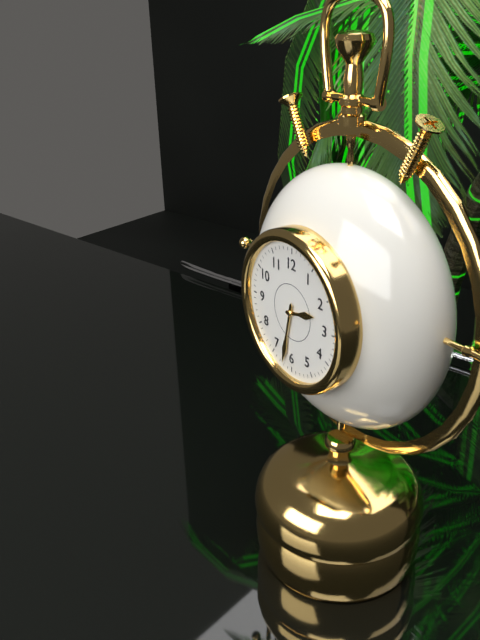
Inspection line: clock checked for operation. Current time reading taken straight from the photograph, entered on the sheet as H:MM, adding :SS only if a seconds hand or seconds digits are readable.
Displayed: 2:32
